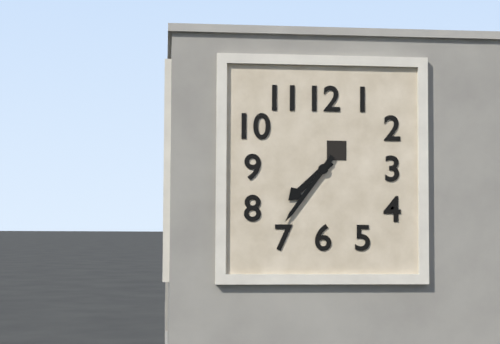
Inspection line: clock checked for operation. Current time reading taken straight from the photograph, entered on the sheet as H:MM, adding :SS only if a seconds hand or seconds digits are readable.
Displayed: 7:36
